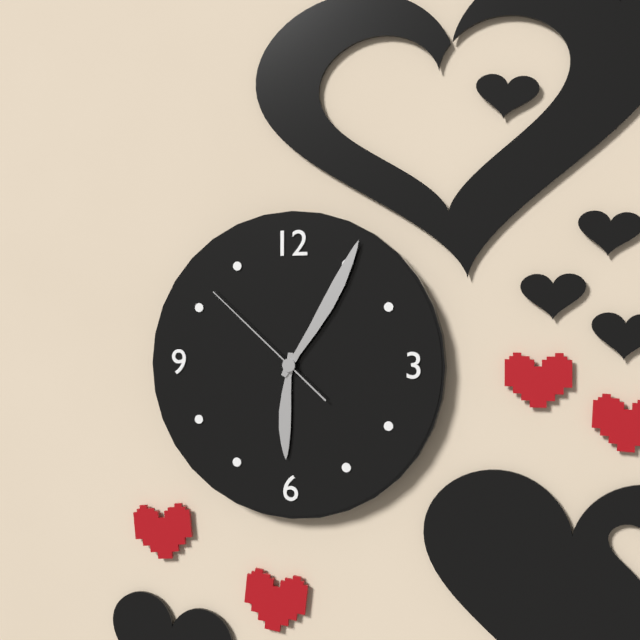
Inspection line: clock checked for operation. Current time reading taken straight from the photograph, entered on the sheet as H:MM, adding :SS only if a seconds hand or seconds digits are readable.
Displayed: 6:05:52
